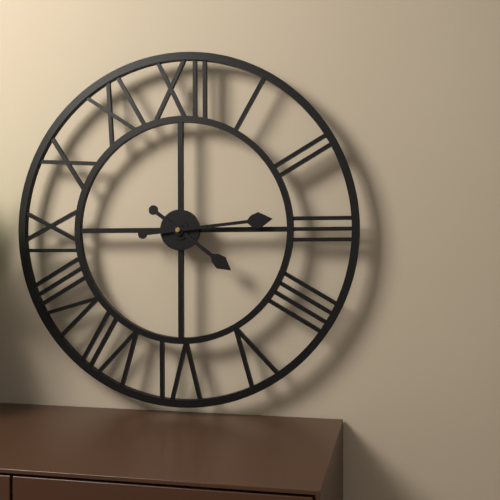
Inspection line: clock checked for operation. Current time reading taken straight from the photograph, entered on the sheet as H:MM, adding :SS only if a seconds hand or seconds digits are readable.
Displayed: 4:14
